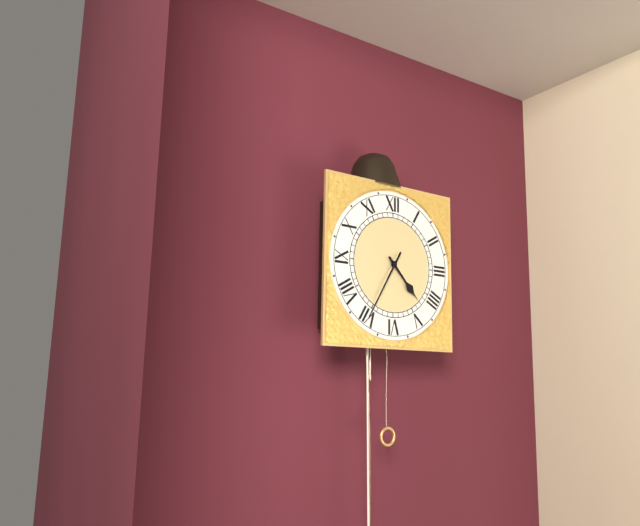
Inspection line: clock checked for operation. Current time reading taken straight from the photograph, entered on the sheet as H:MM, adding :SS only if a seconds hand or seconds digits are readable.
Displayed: 4:35
